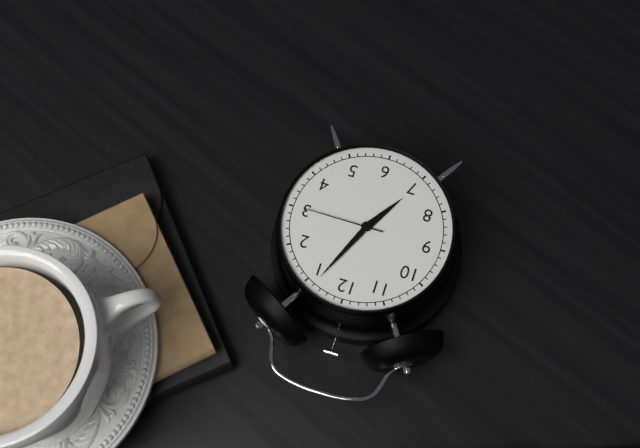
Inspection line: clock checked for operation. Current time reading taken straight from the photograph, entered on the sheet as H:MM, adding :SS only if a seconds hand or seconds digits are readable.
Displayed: 7:04:15
